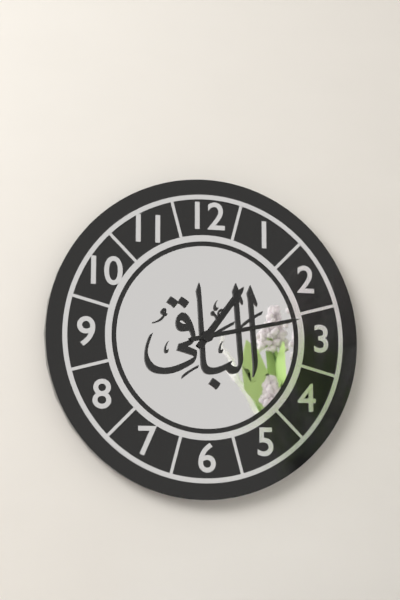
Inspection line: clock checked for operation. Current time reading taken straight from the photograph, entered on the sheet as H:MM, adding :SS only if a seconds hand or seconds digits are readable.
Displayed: 1:13
